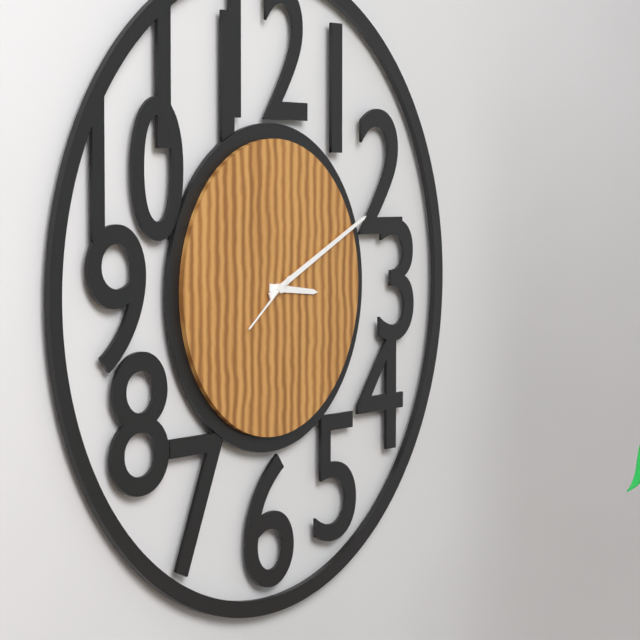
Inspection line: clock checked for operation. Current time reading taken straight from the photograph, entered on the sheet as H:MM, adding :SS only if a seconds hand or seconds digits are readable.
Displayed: 3:11:39
